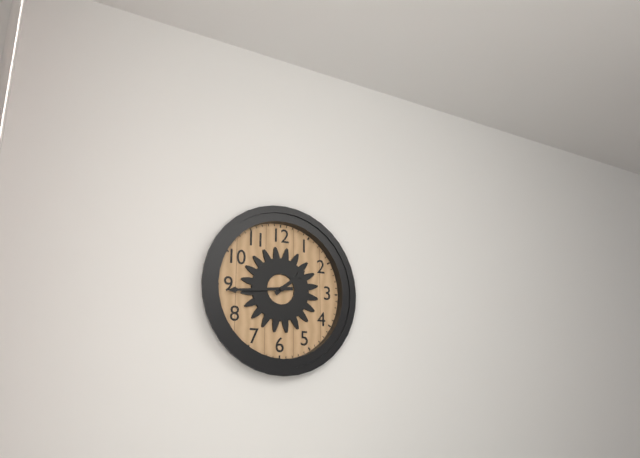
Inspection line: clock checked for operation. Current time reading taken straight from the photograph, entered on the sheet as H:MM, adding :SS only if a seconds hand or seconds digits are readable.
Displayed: 1:44
